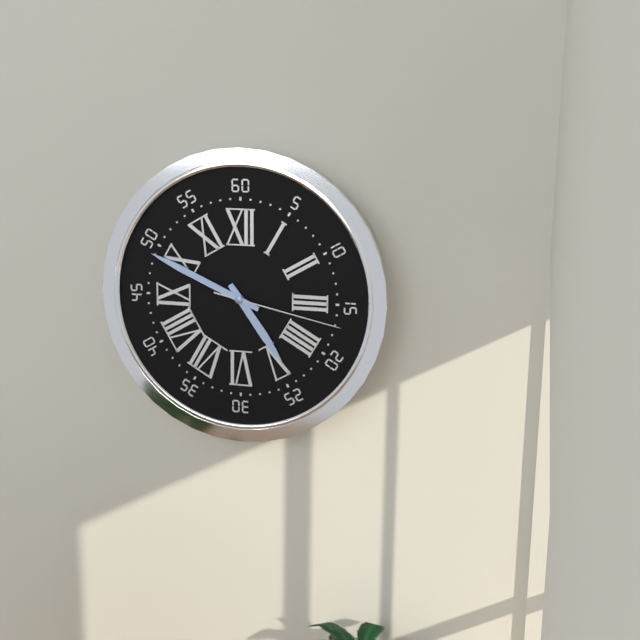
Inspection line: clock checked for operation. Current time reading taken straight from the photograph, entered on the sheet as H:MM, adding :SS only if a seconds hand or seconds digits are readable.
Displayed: 4:49:17
